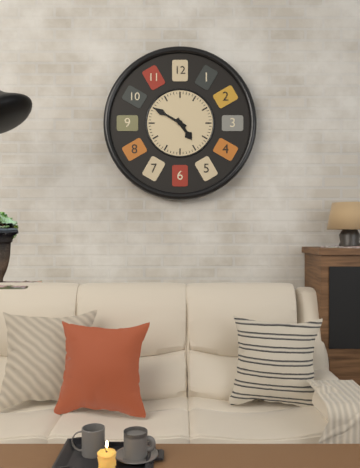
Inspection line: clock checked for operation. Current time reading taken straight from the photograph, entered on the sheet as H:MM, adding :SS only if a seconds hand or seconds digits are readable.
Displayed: 4:50
